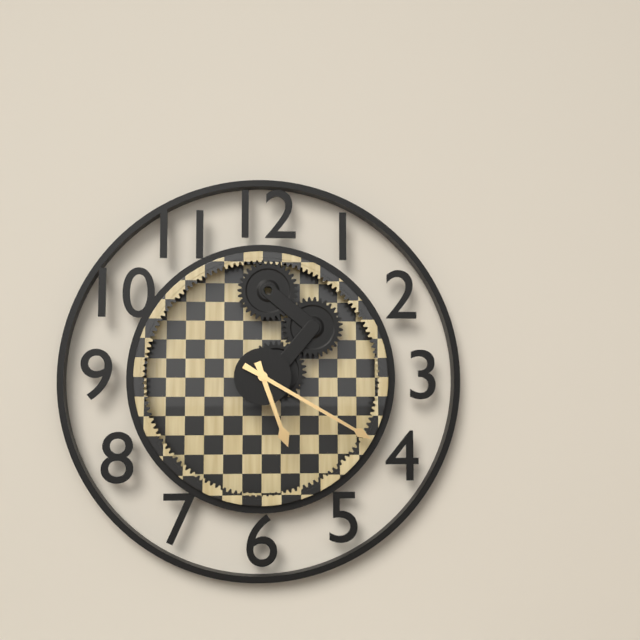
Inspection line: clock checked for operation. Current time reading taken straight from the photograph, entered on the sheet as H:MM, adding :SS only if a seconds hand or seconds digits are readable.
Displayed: 5:20
